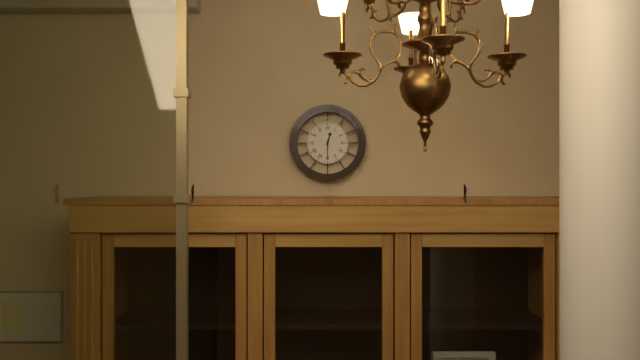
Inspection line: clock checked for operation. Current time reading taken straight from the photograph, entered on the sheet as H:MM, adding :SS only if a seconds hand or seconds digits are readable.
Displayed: 12:30
